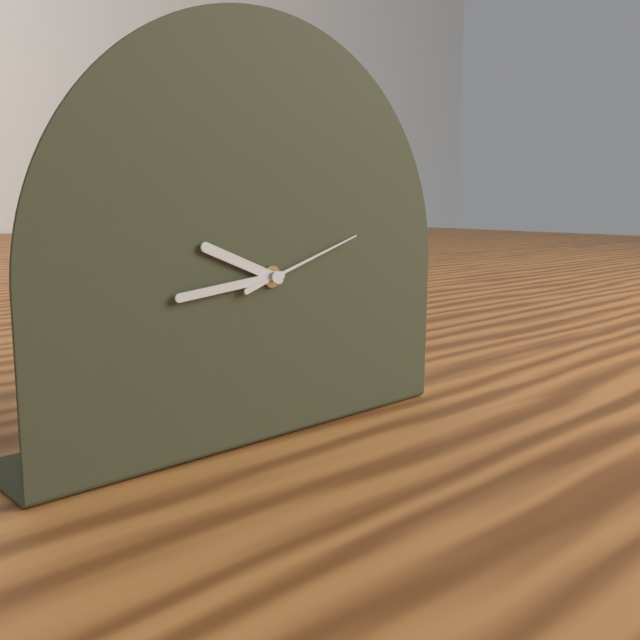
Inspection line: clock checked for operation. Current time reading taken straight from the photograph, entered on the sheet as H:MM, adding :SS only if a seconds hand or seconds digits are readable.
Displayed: 9:44:12
